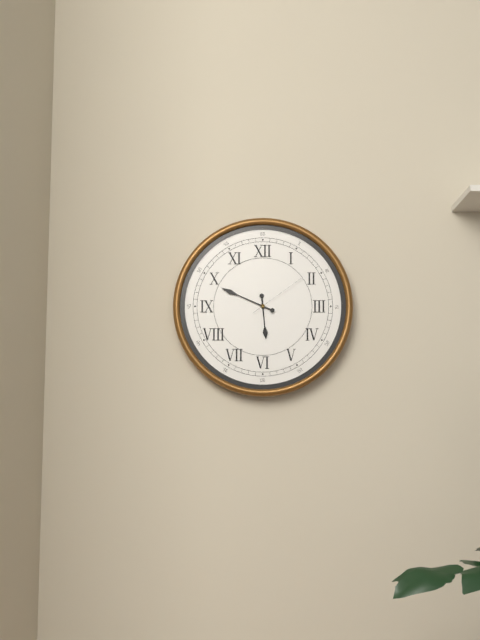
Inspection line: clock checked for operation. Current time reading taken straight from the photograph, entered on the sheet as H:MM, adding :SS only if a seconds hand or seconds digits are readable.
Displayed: 5:49:09
